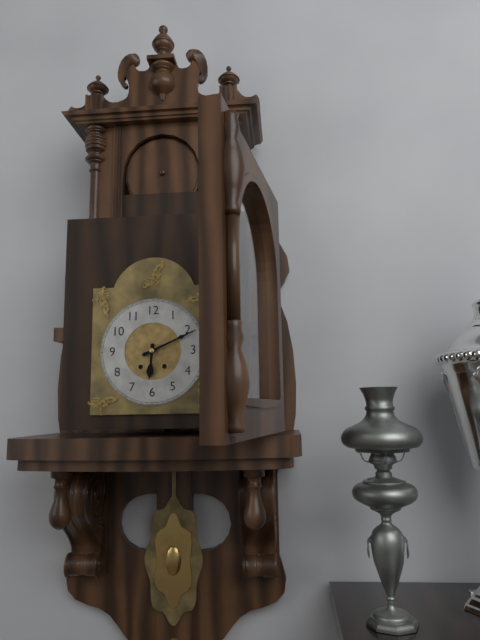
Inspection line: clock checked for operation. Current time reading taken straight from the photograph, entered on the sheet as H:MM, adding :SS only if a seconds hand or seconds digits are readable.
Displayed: 6:11
